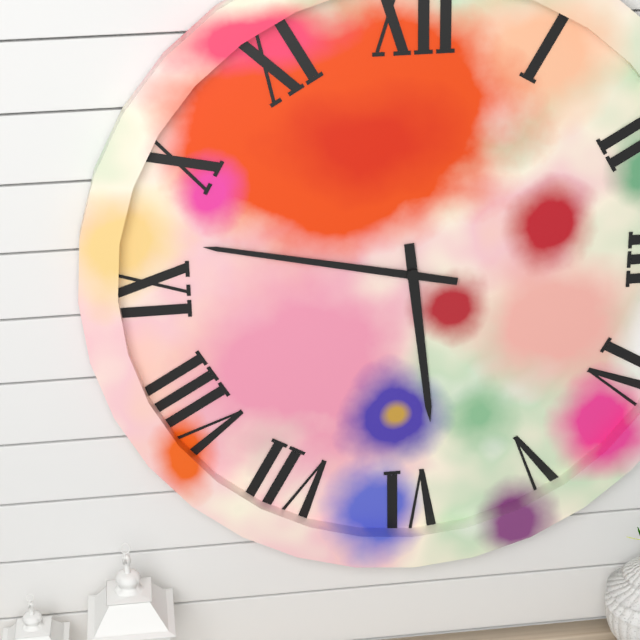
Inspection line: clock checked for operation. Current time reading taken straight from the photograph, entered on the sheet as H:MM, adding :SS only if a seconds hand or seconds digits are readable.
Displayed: 5:47
